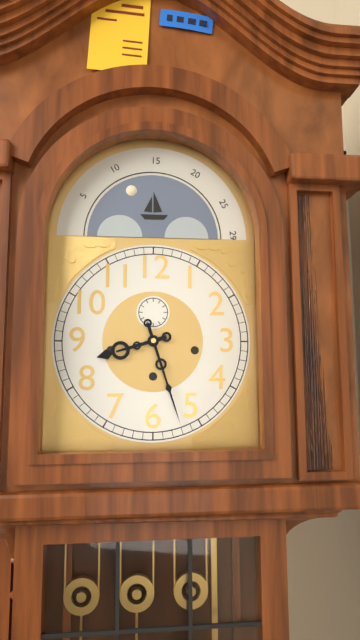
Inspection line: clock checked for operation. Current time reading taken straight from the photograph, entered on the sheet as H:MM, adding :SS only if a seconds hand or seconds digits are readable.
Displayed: 8:27
